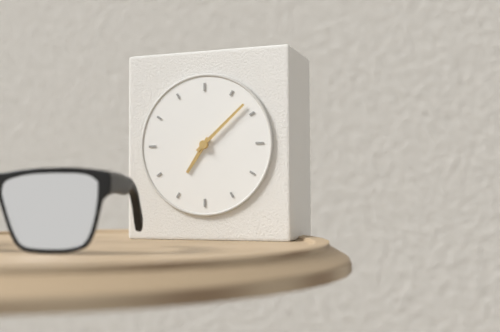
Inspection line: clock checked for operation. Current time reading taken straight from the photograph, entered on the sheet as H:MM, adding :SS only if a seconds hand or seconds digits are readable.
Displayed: 7:08
